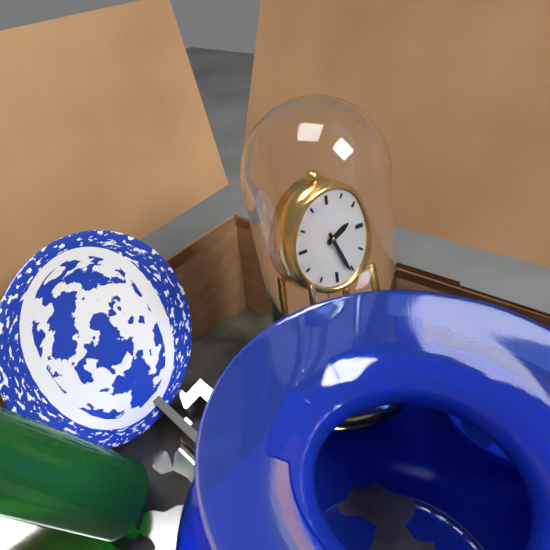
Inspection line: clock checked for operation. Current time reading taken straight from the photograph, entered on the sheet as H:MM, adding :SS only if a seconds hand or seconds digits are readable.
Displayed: 2:26
